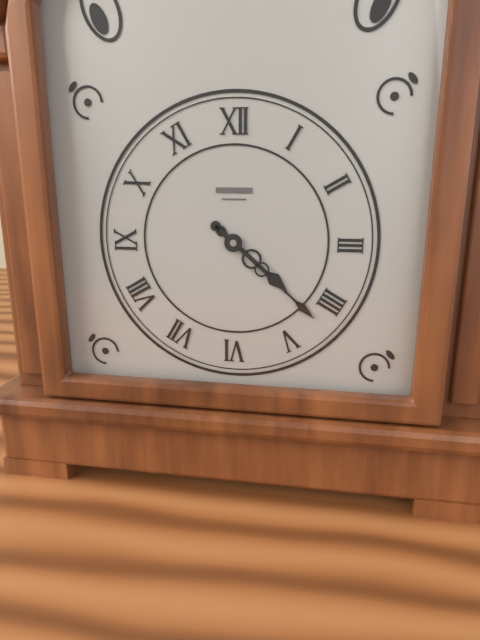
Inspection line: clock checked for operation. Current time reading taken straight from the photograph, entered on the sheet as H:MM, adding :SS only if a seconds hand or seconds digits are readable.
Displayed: 4:22
